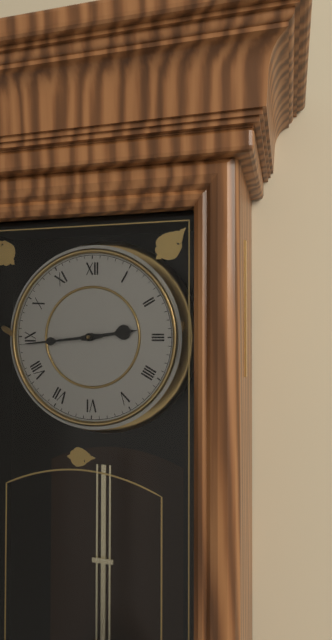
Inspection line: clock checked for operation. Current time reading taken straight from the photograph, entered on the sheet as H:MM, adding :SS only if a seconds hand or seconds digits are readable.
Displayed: 2:44
